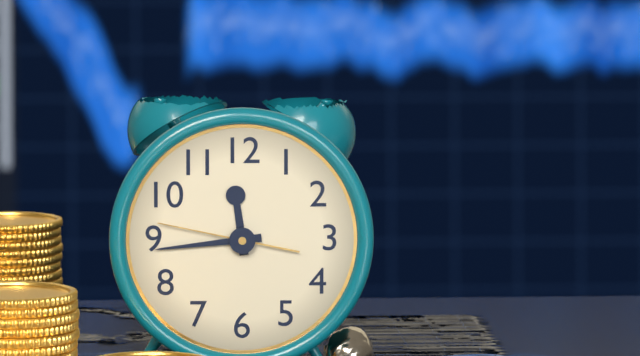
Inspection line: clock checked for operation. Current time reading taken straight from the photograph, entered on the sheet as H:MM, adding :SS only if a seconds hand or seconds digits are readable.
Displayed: 11:44:47
